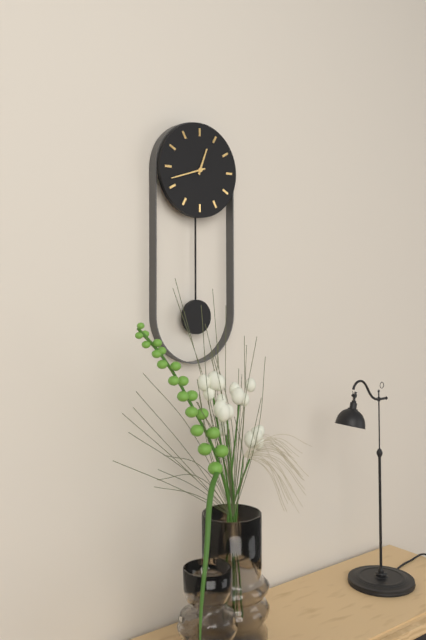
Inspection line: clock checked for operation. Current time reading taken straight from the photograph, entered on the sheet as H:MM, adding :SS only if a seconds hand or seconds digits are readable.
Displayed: 12:42
